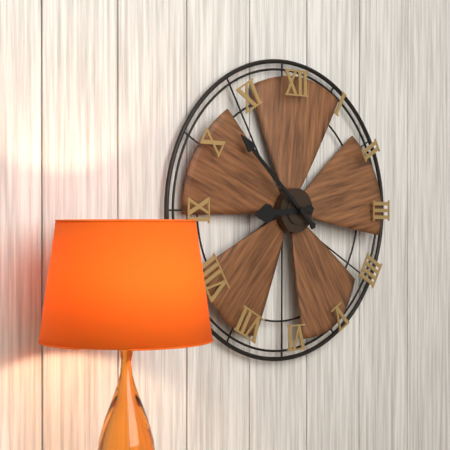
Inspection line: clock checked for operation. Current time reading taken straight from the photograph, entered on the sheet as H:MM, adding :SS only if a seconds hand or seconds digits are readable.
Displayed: 8:52
